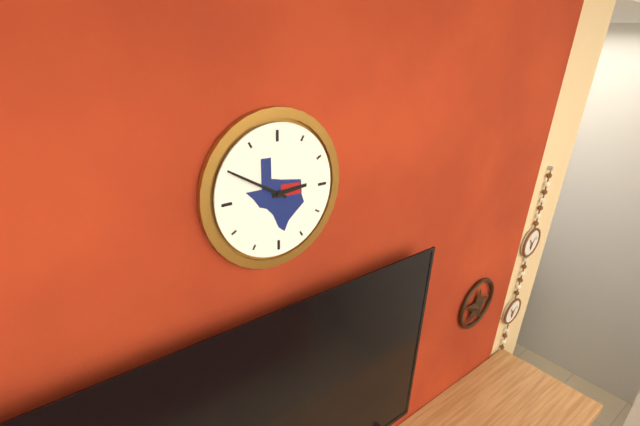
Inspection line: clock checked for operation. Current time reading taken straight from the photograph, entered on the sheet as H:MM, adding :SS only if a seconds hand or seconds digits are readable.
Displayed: 2:50
